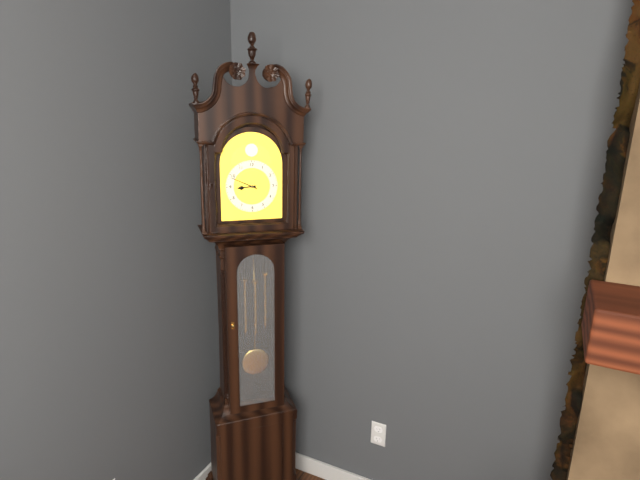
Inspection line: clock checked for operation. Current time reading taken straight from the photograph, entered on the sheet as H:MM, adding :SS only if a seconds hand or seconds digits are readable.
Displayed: 8:49
